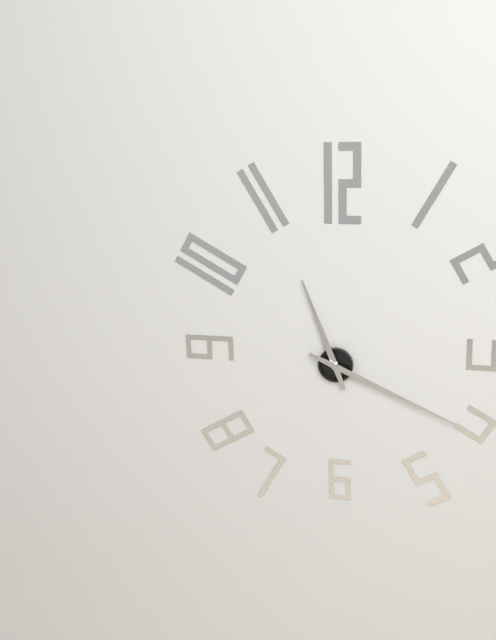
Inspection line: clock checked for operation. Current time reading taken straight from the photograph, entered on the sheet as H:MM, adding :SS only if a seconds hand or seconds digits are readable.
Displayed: 11:19
